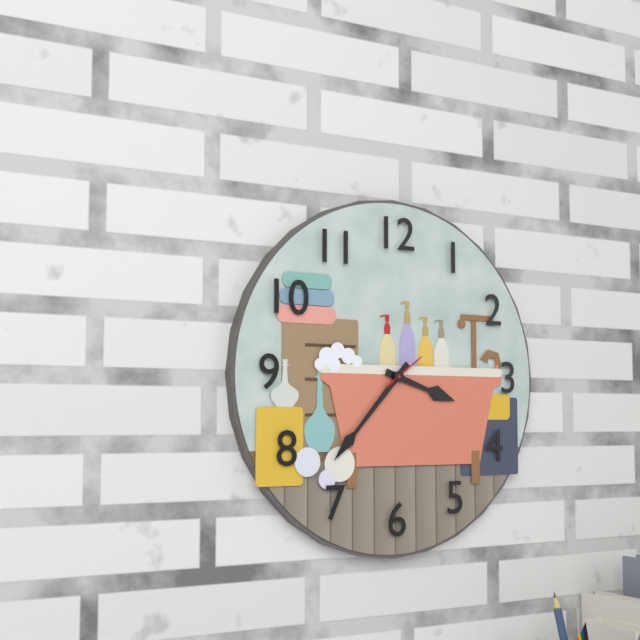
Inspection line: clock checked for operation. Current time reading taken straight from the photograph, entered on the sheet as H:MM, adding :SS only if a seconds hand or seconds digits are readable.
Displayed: 3:37
